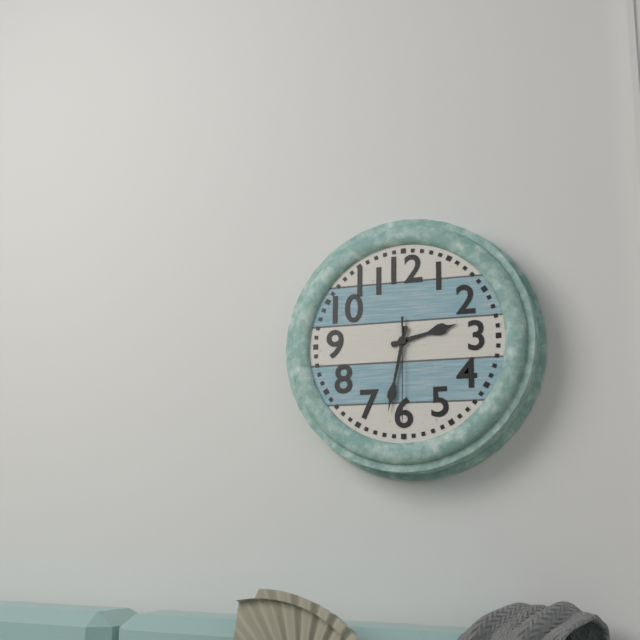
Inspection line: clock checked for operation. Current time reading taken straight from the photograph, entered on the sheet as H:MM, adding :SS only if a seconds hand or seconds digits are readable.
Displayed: 2:32:30
